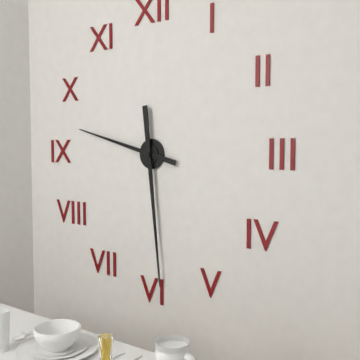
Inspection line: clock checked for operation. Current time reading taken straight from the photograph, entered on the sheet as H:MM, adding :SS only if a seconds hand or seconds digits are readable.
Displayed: 9:29
